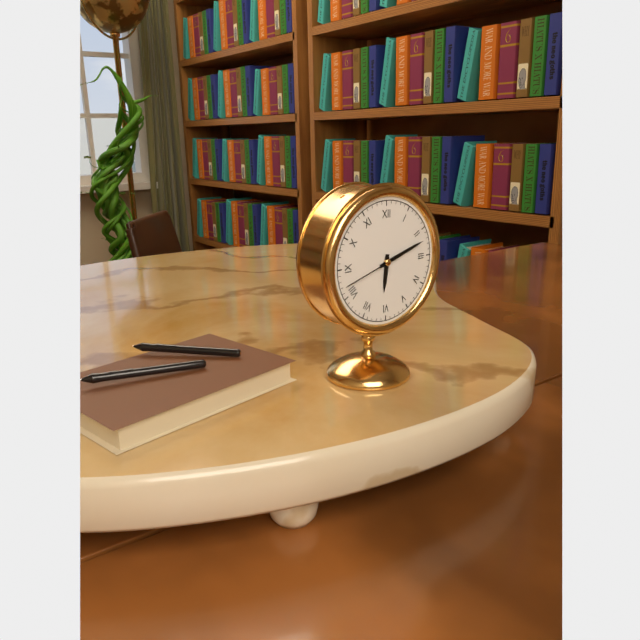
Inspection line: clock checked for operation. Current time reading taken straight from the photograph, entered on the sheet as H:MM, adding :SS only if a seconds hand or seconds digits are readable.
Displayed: 6:12:42
